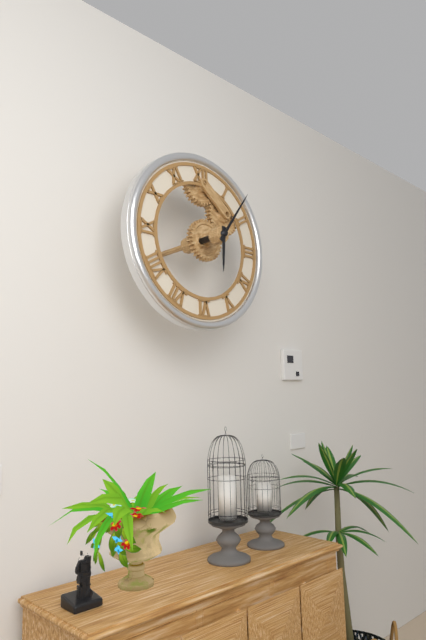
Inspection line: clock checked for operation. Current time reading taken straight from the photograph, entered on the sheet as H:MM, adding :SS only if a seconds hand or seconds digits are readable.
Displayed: 6:06
